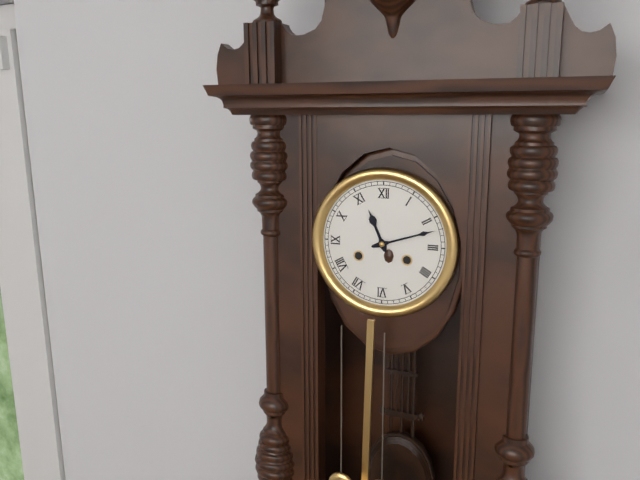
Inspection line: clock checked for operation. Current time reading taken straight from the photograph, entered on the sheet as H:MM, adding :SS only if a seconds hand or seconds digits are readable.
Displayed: 11:12
